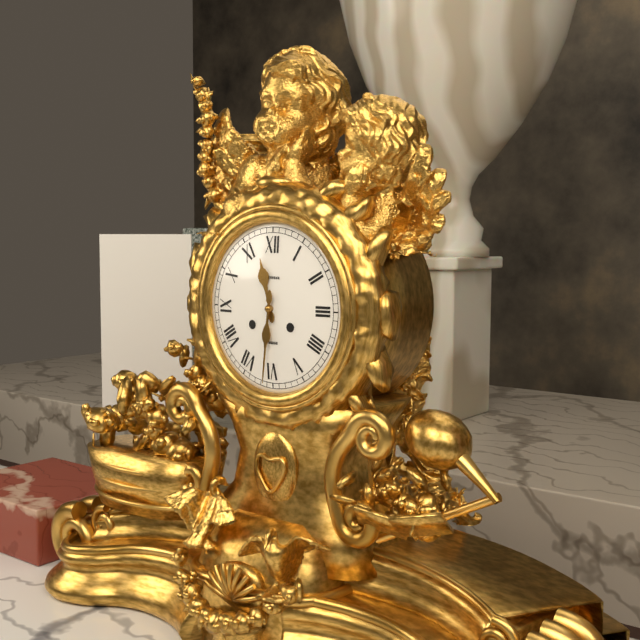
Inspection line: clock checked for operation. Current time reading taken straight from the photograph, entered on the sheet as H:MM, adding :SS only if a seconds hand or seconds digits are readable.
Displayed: 11:31
